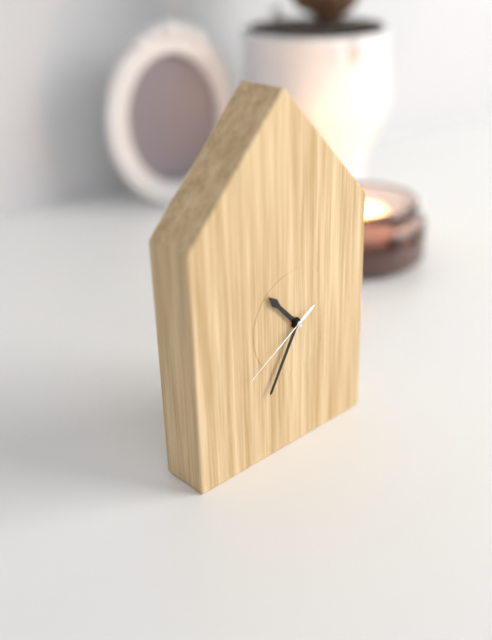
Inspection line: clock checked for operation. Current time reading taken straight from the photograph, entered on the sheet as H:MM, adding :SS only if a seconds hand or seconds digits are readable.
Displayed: 10:35:40
